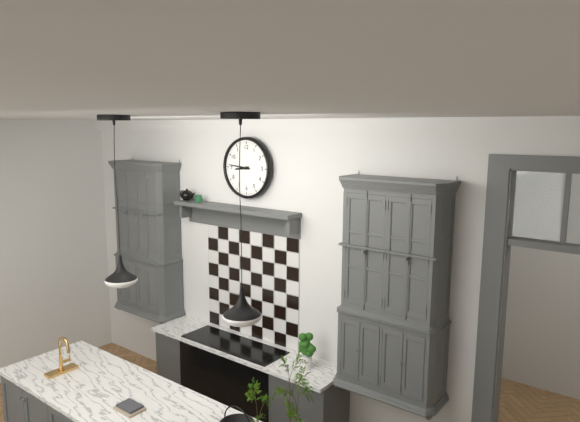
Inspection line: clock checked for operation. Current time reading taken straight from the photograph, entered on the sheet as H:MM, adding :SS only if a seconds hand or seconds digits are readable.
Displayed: 8:46
